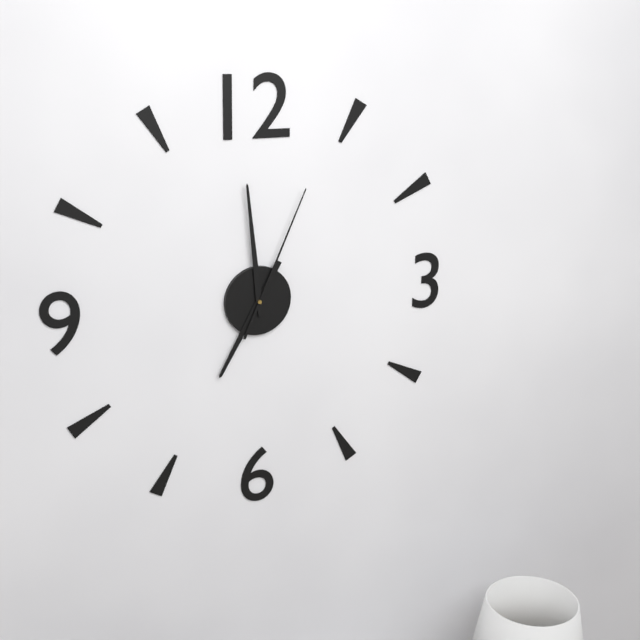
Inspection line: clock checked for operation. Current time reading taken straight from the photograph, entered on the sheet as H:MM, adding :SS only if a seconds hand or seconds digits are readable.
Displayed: 6:59:04
